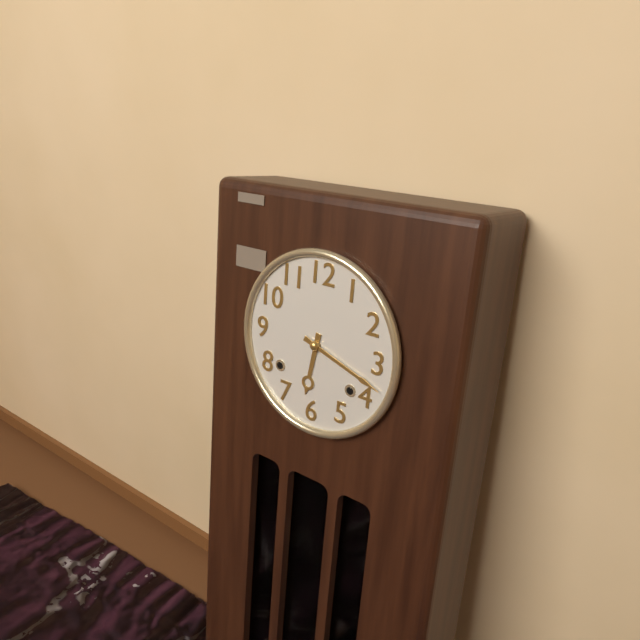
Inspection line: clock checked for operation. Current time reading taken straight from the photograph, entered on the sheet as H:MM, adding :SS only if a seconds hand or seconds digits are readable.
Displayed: 6:18
